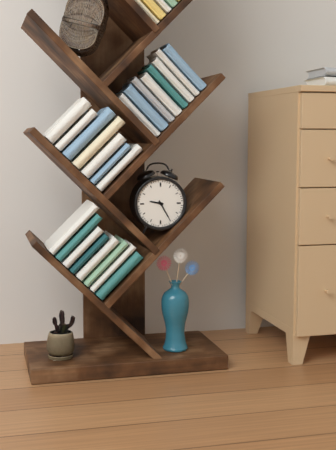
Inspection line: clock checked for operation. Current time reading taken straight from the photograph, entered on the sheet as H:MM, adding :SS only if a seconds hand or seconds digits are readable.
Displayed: 9:25
